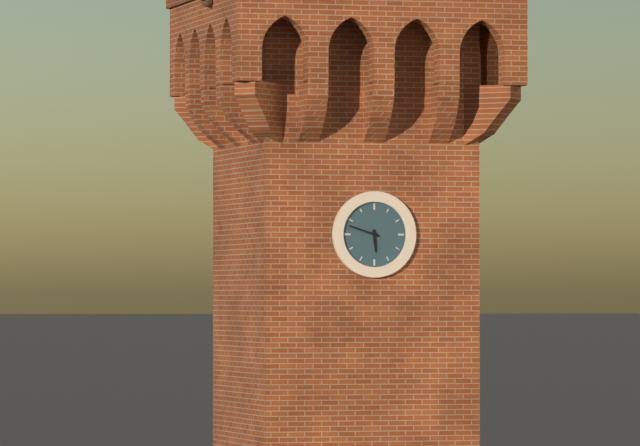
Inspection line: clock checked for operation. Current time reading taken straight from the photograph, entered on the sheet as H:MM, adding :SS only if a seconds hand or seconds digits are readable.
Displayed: 5:48
